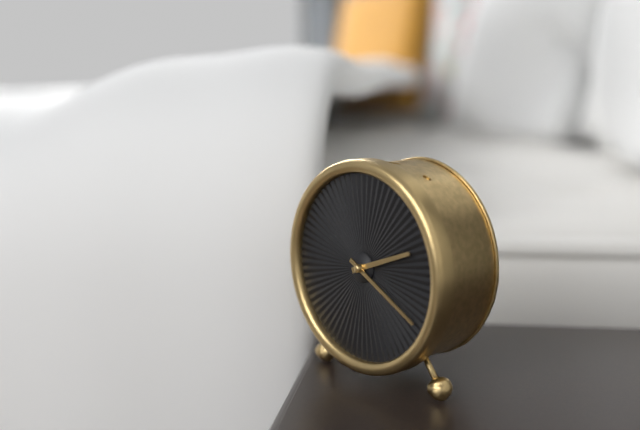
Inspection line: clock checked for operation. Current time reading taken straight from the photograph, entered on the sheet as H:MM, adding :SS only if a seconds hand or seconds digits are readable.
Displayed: 2:20
